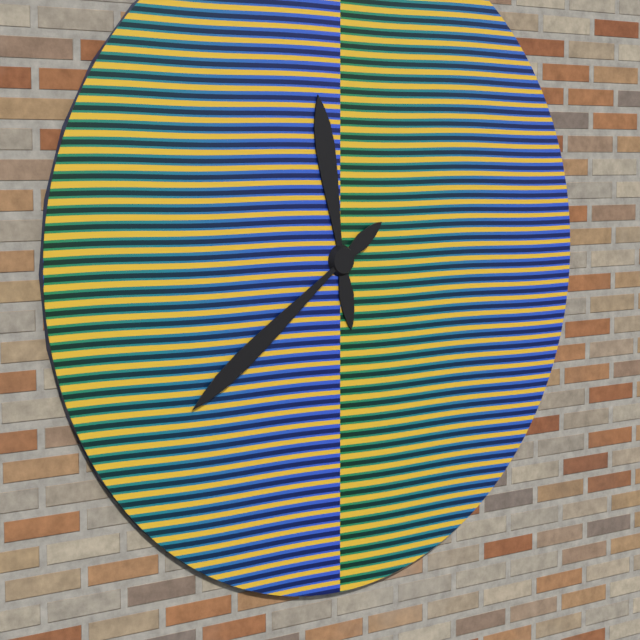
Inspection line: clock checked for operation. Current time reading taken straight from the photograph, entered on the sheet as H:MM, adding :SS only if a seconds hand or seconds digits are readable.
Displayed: 11:39
